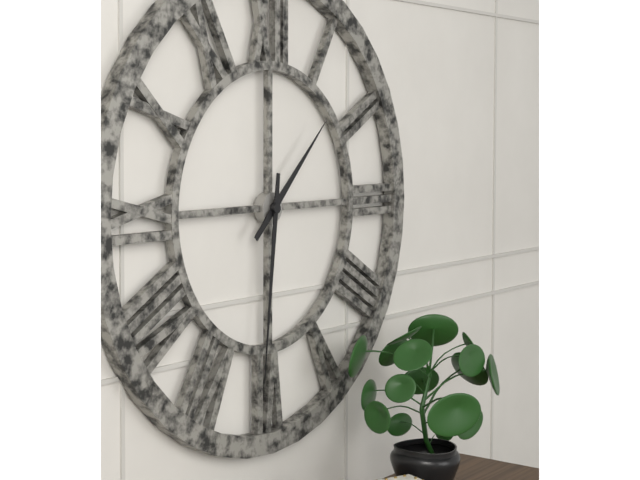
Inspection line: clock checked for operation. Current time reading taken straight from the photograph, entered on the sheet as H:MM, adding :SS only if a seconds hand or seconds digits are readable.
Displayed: 1:31
